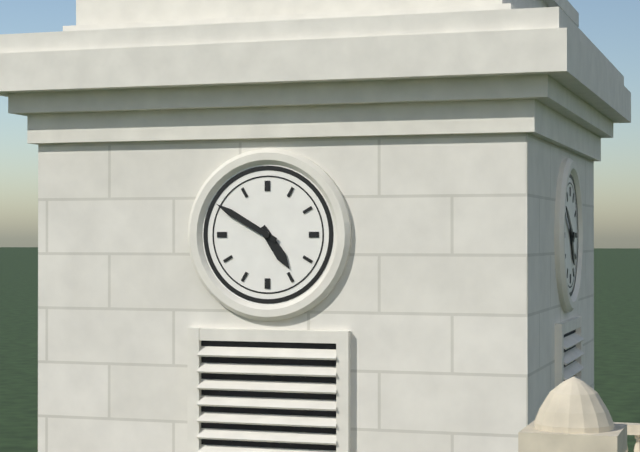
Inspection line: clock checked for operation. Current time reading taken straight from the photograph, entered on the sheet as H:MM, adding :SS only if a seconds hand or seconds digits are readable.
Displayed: 4:50
